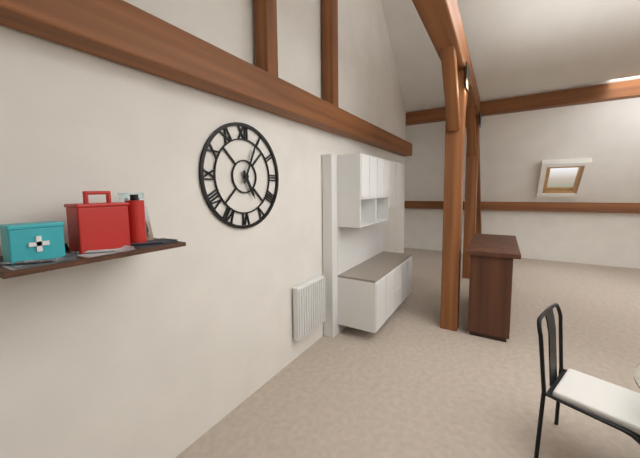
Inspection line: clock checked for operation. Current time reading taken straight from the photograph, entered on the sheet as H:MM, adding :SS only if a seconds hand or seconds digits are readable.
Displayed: 5:04
